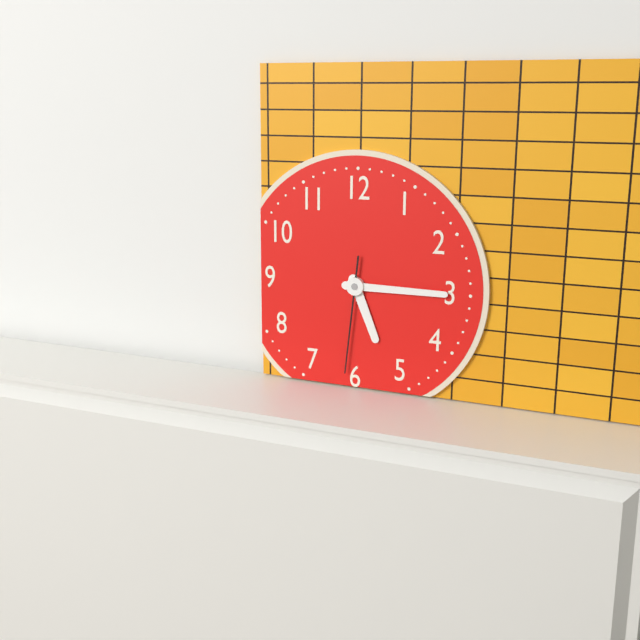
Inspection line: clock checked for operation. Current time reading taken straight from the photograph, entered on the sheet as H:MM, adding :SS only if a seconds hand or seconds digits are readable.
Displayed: 5:15:31
